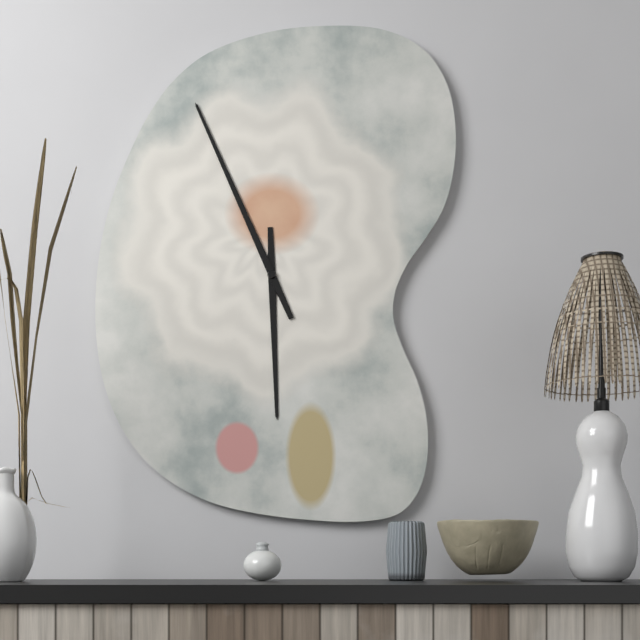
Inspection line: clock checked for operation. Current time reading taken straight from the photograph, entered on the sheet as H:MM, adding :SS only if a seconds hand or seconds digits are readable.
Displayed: 5:56
